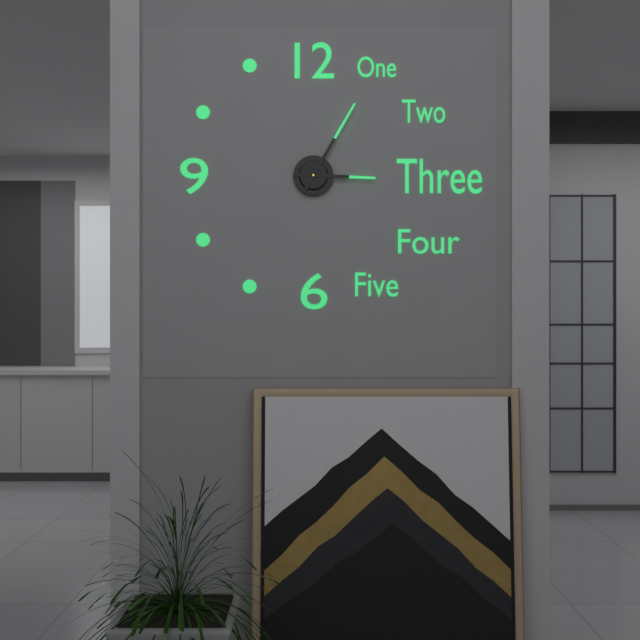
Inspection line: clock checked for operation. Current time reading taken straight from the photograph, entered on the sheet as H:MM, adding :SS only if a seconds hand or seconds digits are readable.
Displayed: 3:05
